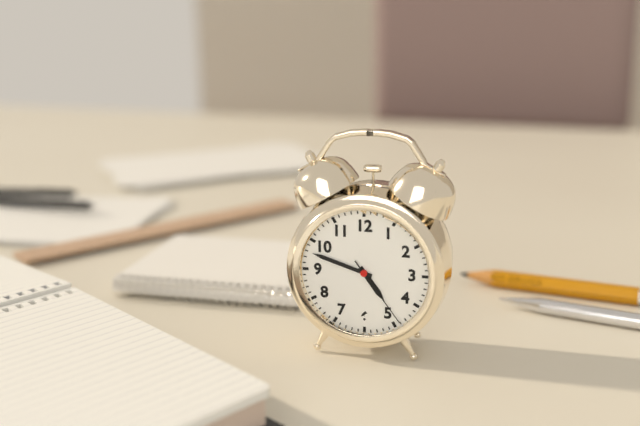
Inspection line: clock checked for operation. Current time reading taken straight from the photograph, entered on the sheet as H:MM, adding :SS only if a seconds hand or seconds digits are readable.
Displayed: 4:48:24
